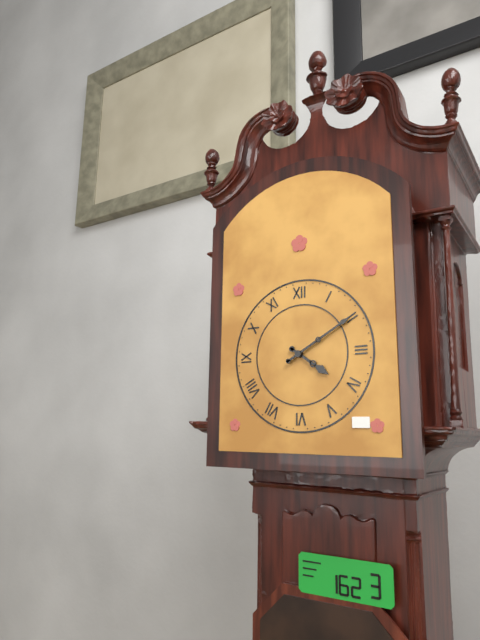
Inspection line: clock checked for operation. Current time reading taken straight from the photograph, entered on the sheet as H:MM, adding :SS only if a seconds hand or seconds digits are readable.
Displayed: 4:10
